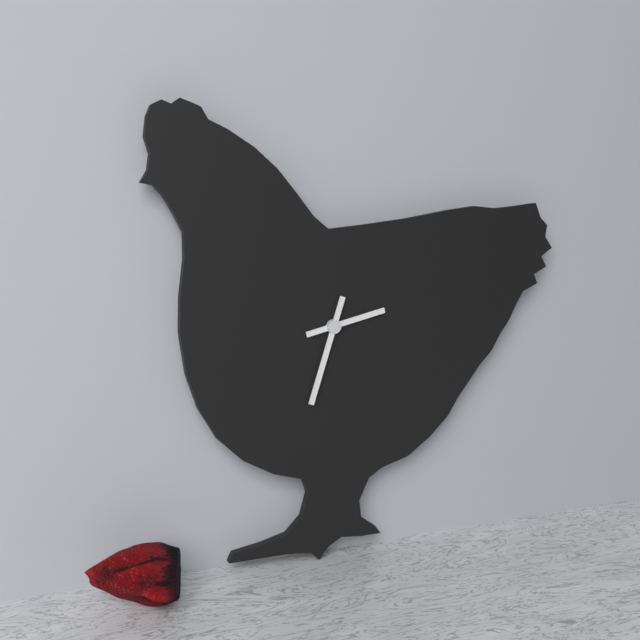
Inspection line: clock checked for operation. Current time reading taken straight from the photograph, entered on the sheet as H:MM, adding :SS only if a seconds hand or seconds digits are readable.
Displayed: 2:33
